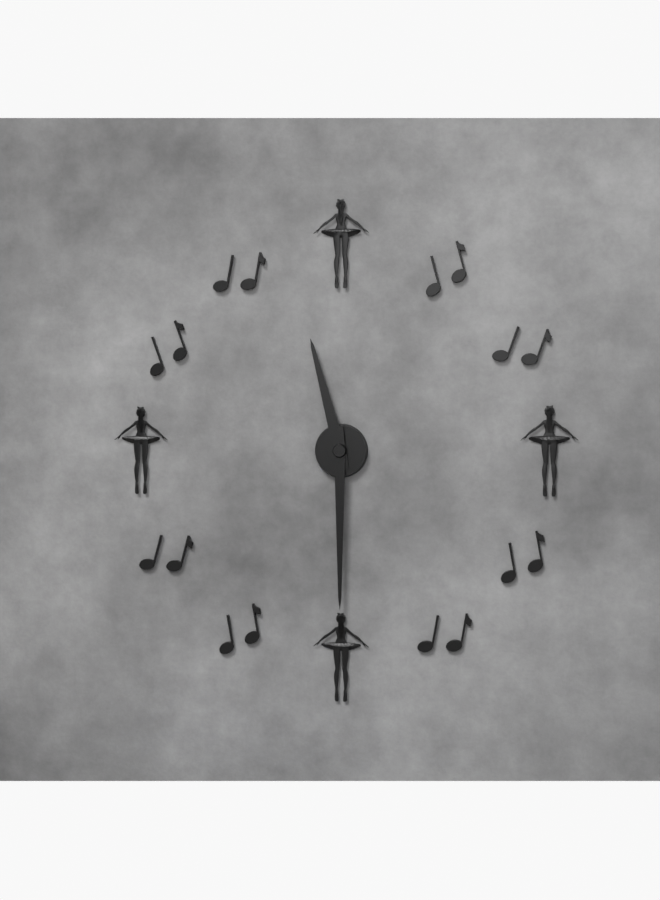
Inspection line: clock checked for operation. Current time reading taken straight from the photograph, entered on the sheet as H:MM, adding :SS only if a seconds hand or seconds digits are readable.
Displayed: 11:30
